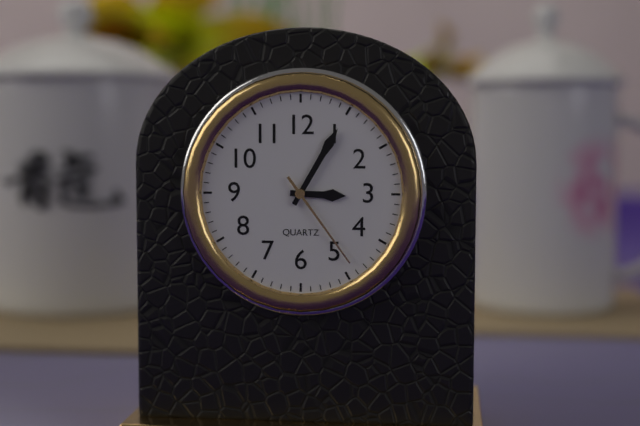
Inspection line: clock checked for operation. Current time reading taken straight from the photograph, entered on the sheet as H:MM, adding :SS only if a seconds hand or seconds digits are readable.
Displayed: 3:05:24
